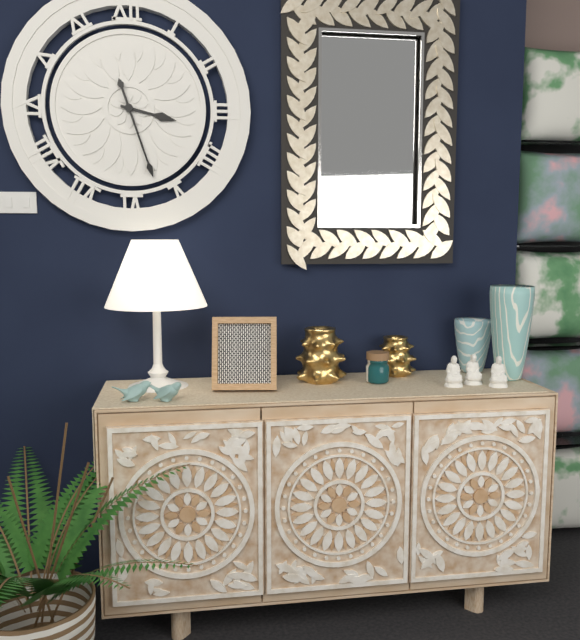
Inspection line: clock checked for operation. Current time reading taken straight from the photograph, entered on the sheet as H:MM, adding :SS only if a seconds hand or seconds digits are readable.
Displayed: 3:27
